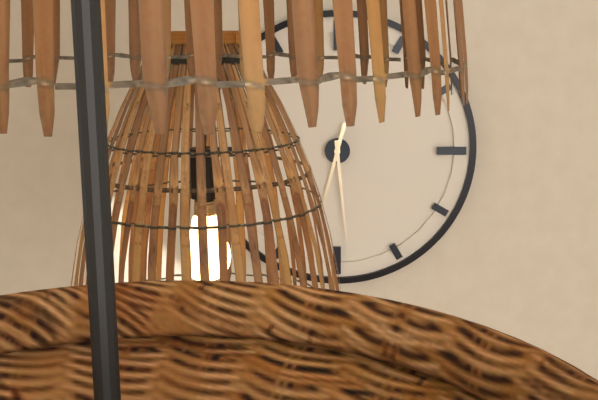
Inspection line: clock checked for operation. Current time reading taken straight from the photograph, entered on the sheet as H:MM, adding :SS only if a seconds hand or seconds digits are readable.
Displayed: 6:29
